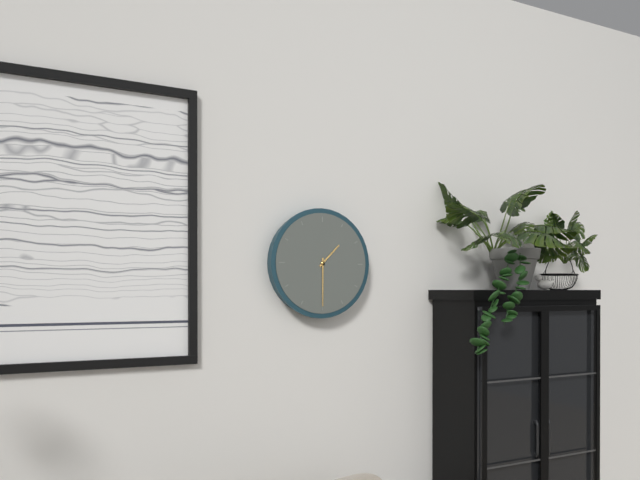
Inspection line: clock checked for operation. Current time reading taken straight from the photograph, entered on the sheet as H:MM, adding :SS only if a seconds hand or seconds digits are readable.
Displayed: 1:30
